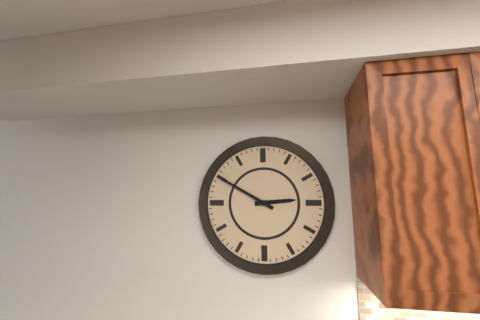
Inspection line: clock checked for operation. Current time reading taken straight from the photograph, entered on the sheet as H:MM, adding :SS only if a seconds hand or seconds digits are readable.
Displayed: 2:50
